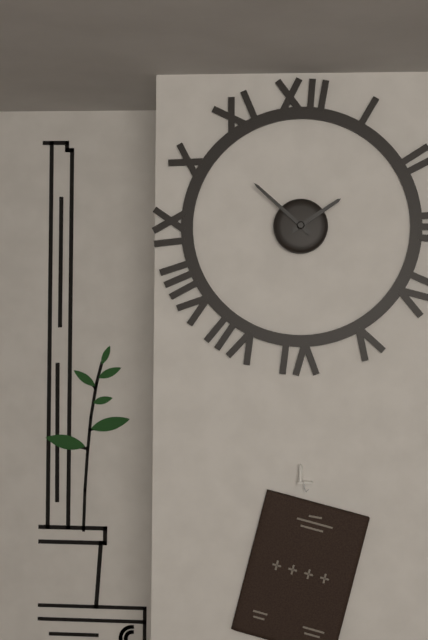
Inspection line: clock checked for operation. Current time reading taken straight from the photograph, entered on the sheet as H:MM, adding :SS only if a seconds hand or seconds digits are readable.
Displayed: 1:52
